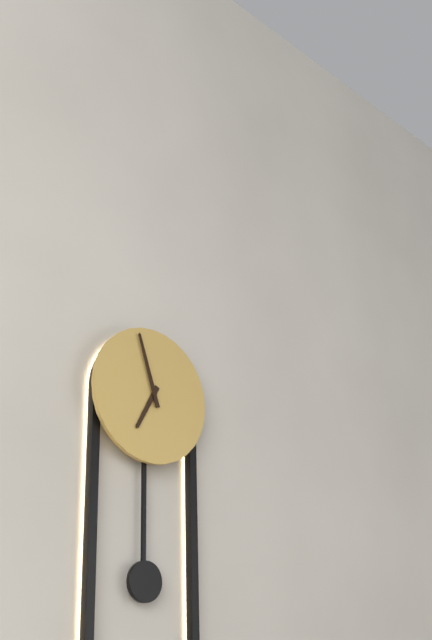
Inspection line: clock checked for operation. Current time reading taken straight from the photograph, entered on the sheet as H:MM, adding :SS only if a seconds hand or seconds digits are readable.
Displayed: 6:57
